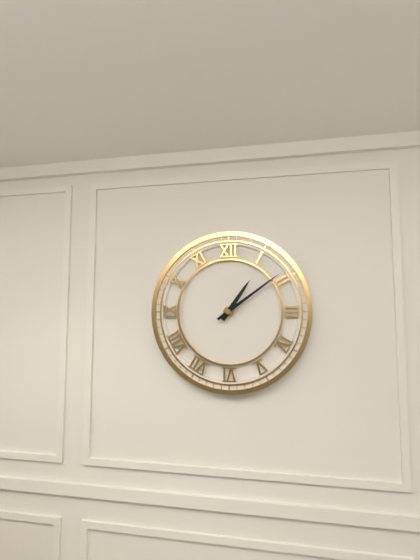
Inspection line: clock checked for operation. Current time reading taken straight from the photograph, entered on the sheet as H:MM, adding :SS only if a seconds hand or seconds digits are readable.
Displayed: 1:09
